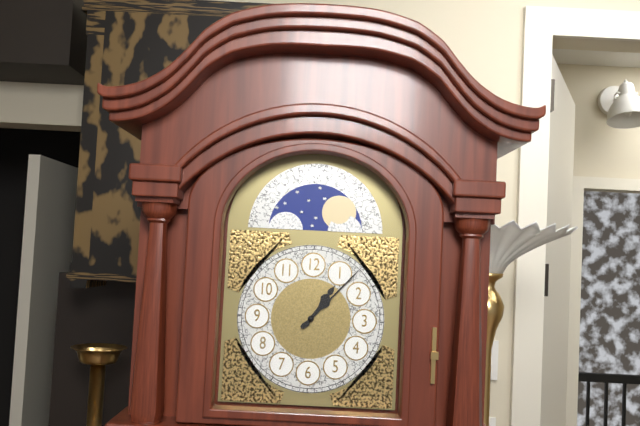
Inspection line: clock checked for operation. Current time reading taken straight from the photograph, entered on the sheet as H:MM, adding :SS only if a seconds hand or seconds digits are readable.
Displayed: 1:07
